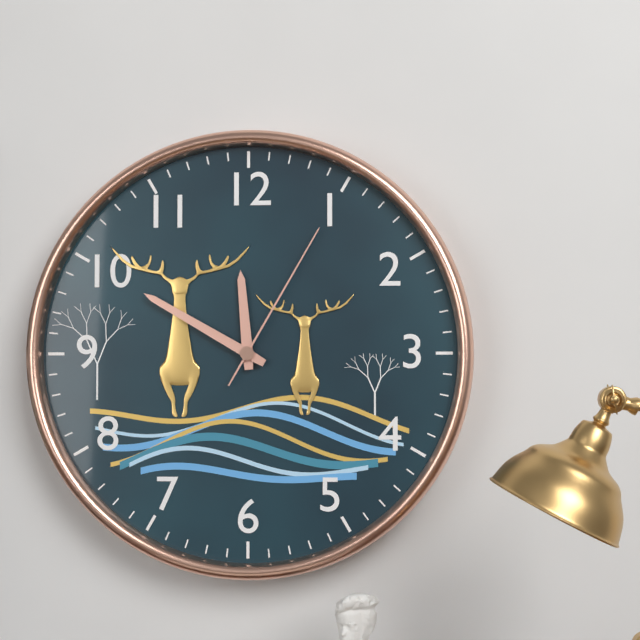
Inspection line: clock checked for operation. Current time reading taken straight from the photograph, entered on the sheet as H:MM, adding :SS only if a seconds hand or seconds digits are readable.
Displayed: 11:50:05
